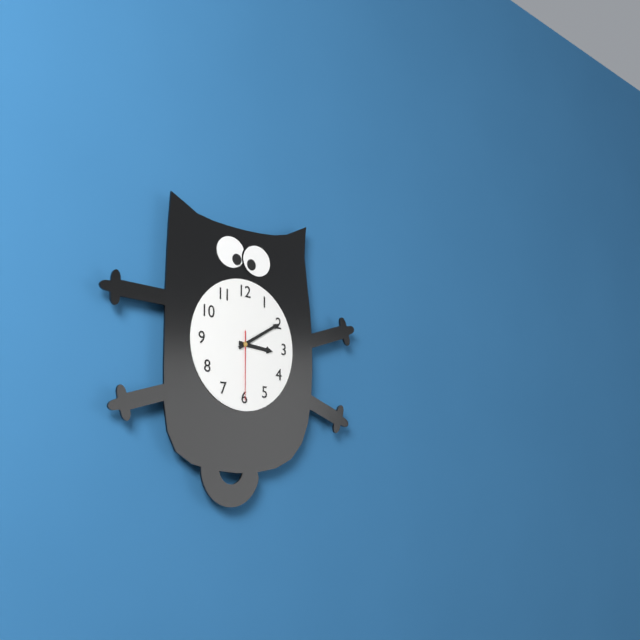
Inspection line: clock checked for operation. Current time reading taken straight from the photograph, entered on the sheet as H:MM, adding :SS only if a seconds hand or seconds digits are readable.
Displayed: 3:10:30
